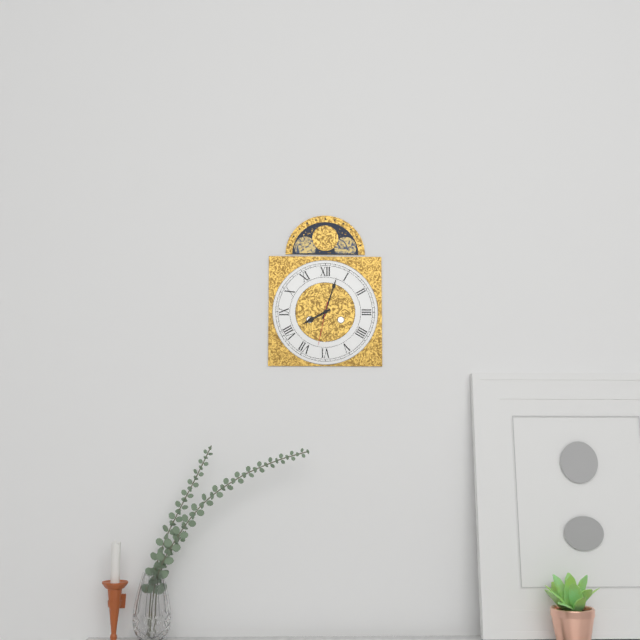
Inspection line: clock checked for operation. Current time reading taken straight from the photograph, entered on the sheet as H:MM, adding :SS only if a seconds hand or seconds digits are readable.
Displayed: 8:03
